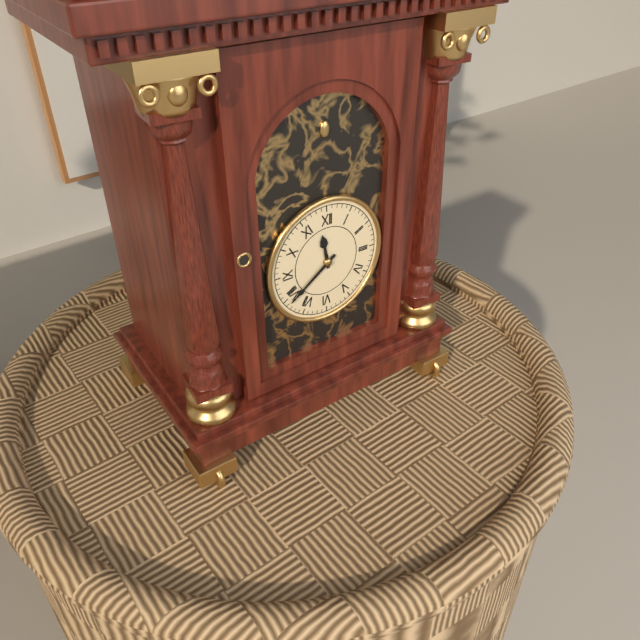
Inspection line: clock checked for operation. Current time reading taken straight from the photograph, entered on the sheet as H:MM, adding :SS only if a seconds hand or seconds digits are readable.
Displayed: 11:39
